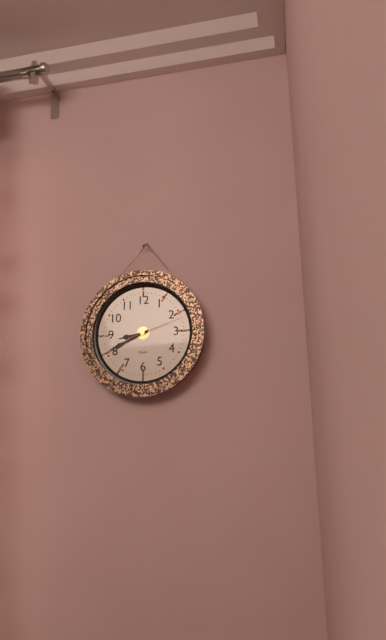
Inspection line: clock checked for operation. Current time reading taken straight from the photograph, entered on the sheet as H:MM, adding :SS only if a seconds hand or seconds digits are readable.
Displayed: 8:41:12
